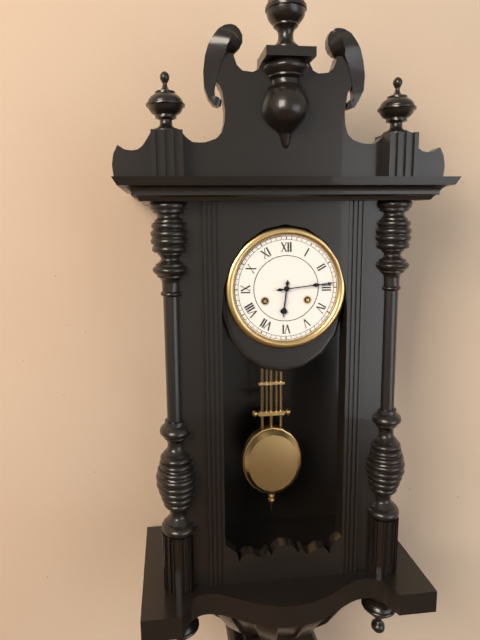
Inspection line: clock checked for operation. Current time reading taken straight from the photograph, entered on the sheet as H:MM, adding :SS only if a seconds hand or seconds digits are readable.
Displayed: 6:14
